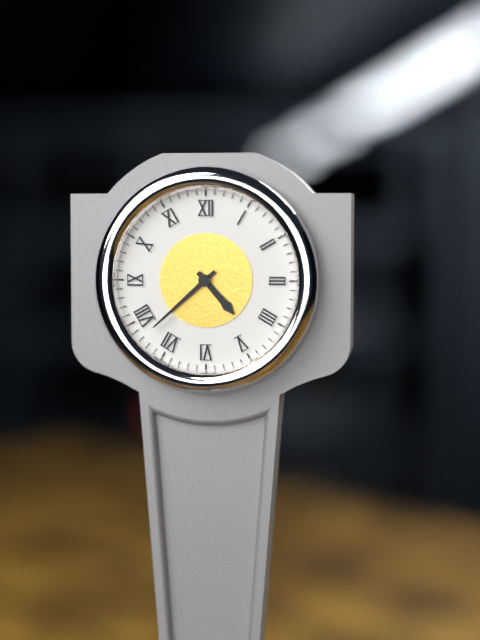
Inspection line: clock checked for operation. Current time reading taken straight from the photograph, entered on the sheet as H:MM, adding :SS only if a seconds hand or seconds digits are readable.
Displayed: 4:38
